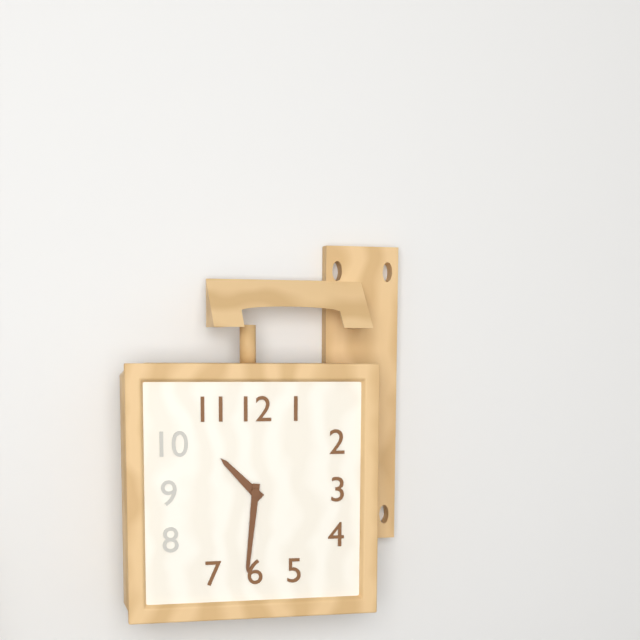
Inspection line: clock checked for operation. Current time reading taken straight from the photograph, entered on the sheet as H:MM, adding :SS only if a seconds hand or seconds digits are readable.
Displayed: 10:31
